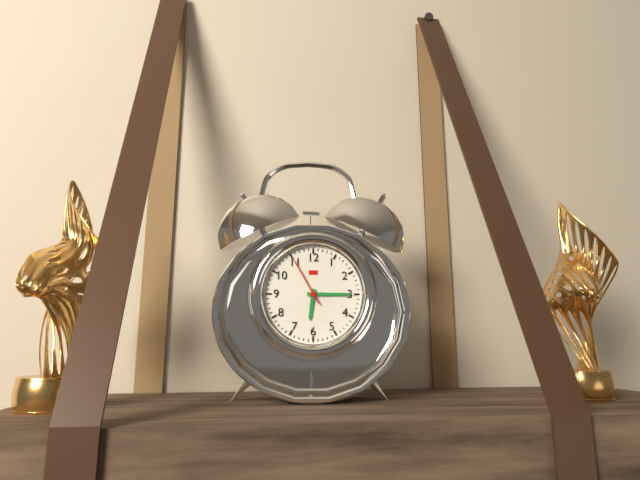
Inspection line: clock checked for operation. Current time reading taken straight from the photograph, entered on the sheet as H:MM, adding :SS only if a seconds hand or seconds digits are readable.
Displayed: 6:15:55
